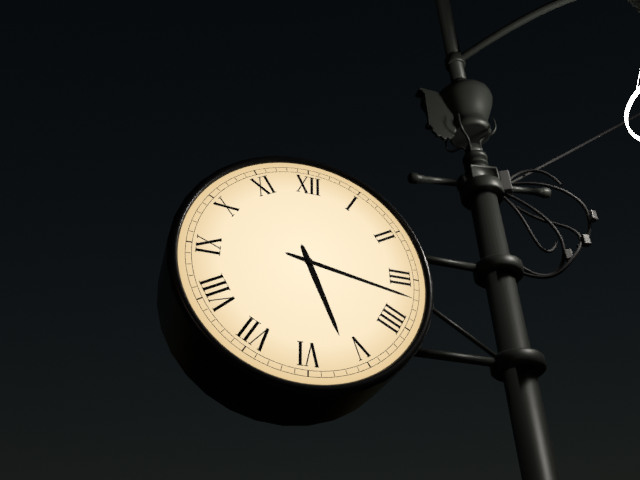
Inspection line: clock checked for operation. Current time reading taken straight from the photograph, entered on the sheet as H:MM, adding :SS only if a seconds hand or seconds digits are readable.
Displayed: 5:17
